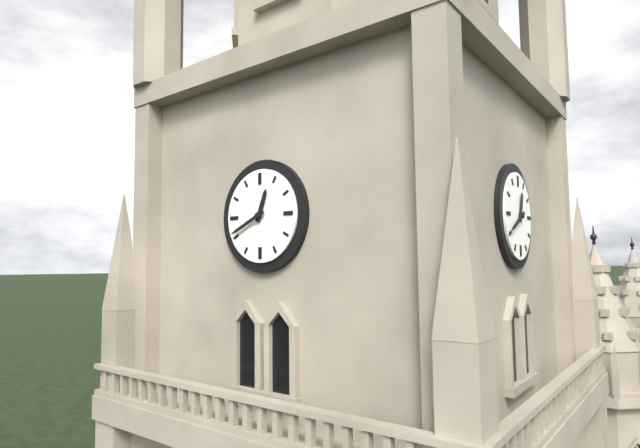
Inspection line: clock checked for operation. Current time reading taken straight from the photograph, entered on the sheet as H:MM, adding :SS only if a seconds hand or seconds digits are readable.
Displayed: 12:41
